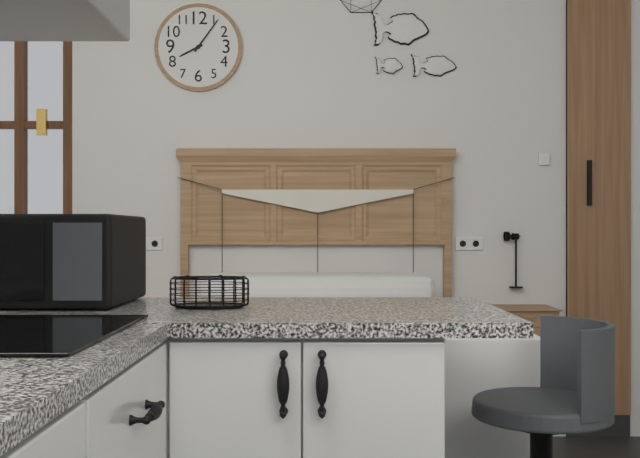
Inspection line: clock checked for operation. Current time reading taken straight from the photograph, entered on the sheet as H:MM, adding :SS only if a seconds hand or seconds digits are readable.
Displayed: 8:06
